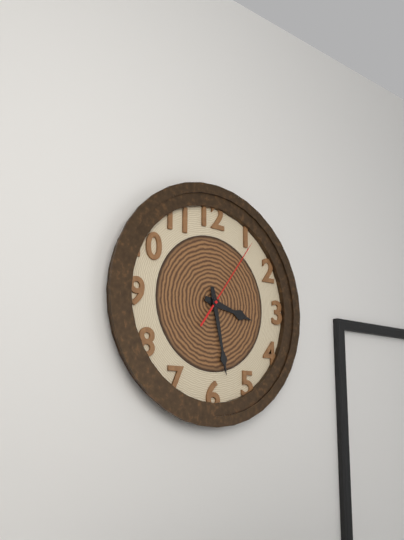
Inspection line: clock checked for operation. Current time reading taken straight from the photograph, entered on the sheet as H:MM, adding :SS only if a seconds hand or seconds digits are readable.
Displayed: 3:28:06
